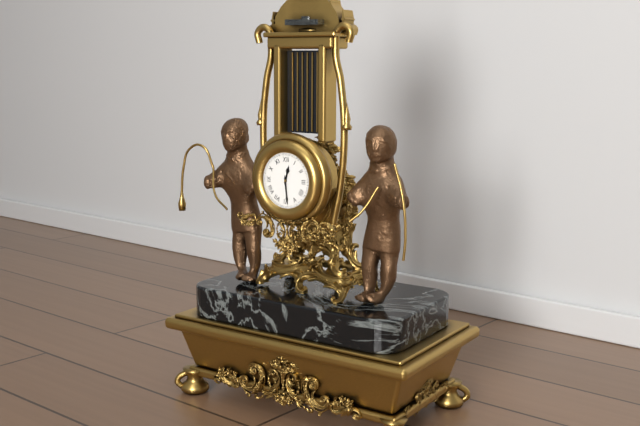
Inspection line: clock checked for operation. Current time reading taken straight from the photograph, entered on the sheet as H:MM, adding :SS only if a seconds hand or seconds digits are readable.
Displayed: 12:29
